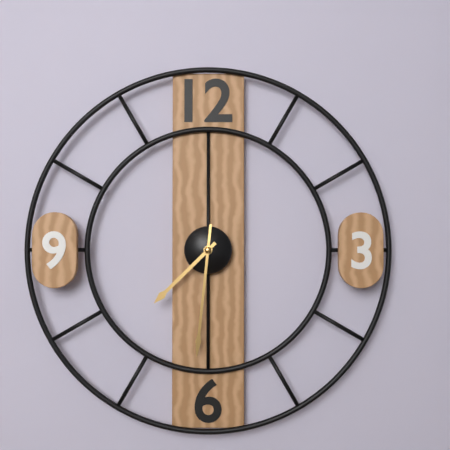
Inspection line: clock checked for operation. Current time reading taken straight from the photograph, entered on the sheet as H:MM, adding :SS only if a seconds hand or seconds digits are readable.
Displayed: 7:31
